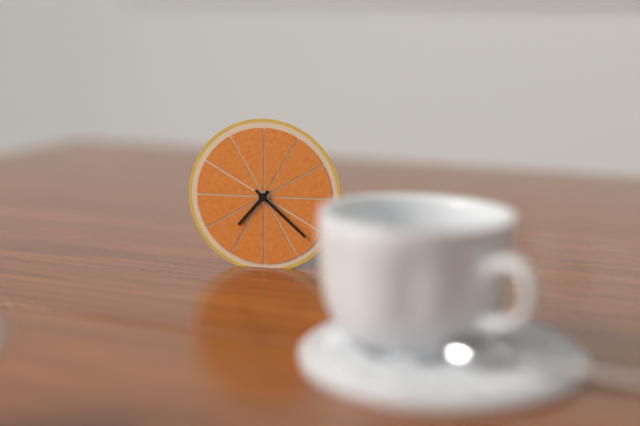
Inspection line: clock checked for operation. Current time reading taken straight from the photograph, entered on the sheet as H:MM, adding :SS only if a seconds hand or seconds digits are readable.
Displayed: 7:22
